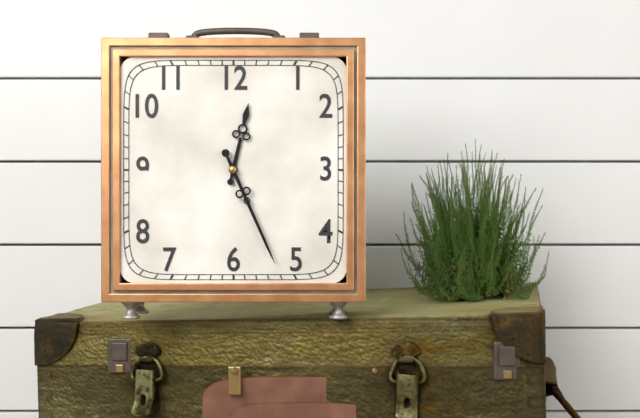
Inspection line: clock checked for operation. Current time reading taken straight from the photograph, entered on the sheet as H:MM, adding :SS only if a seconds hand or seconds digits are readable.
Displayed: 12:26
